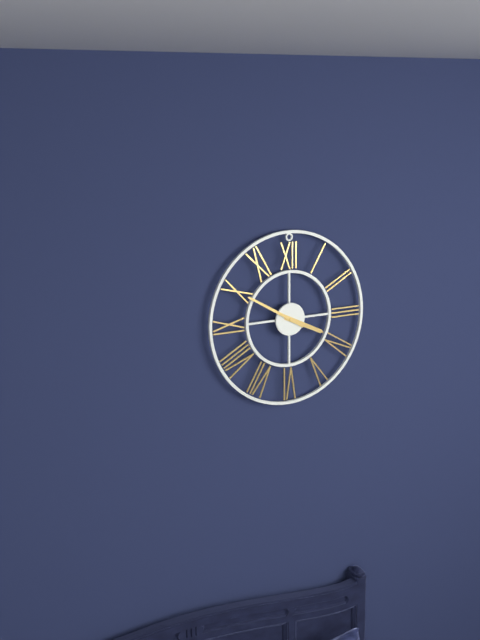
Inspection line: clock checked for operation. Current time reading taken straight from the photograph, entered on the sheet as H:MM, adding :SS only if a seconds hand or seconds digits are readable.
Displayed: 3:50
